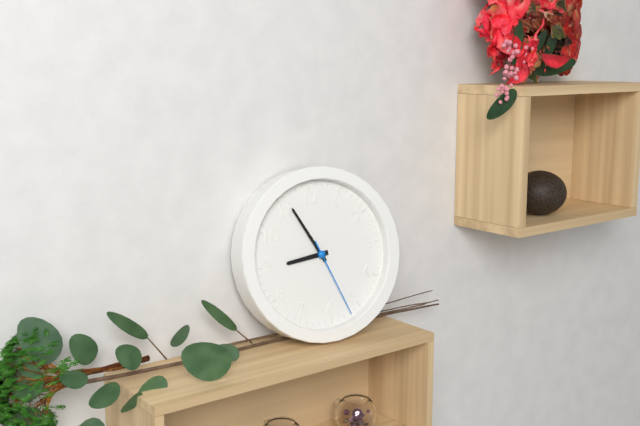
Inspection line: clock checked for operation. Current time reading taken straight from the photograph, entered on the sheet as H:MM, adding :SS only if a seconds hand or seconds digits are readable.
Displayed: 8:56:27
